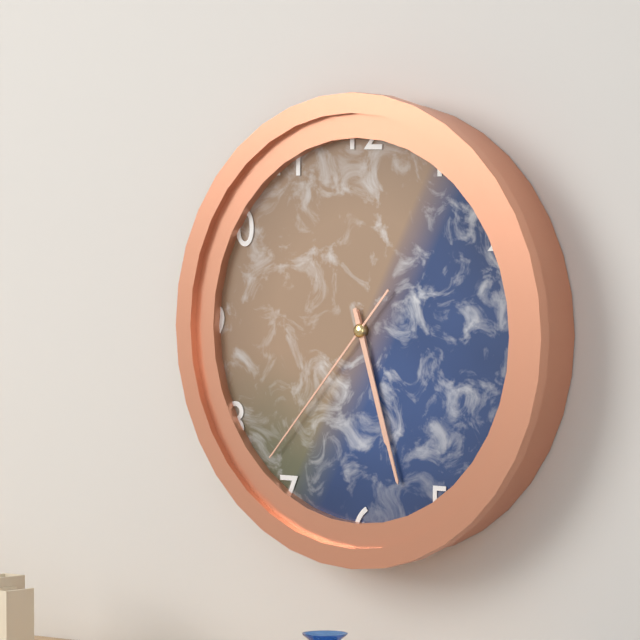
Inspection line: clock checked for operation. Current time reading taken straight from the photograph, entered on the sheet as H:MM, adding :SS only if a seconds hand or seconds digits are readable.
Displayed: 5:27:37
